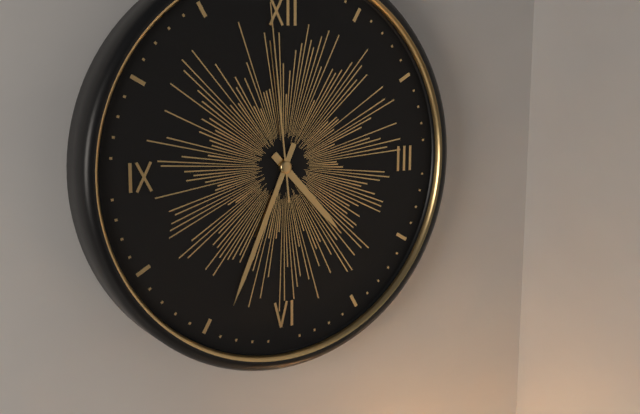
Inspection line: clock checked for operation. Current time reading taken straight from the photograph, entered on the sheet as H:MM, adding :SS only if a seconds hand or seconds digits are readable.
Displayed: 4:34:59
